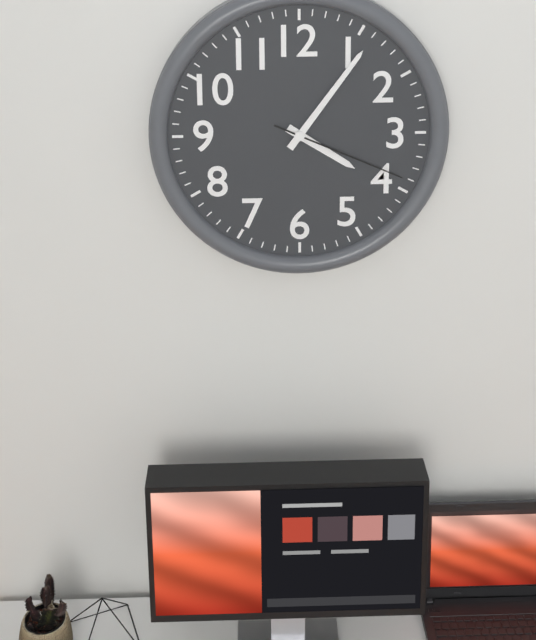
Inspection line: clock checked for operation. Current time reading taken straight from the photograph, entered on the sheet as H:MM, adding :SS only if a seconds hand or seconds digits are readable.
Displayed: 4:06:19
